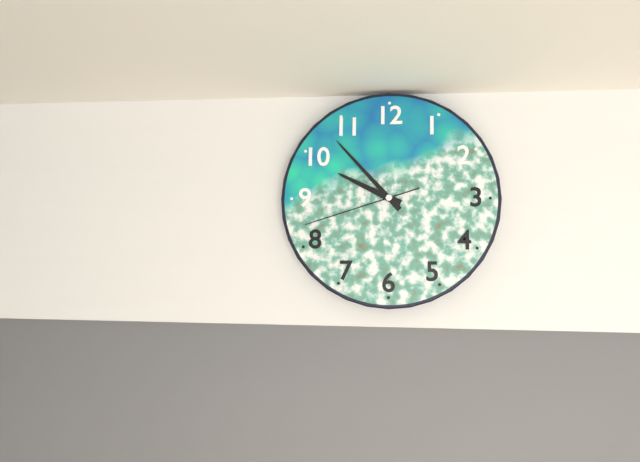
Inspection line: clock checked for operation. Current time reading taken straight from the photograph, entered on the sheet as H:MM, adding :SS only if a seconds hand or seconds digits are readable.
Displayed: 9:53:42
